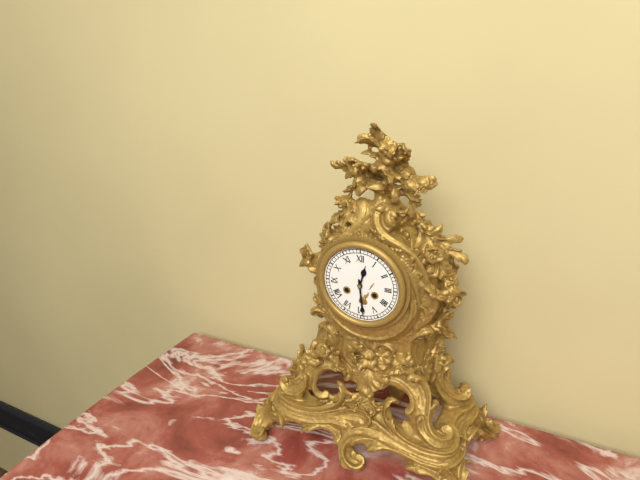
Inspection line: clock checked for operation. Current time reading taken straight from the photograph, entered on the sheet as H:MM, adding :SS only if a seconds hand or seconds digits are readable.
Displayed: 12:29
